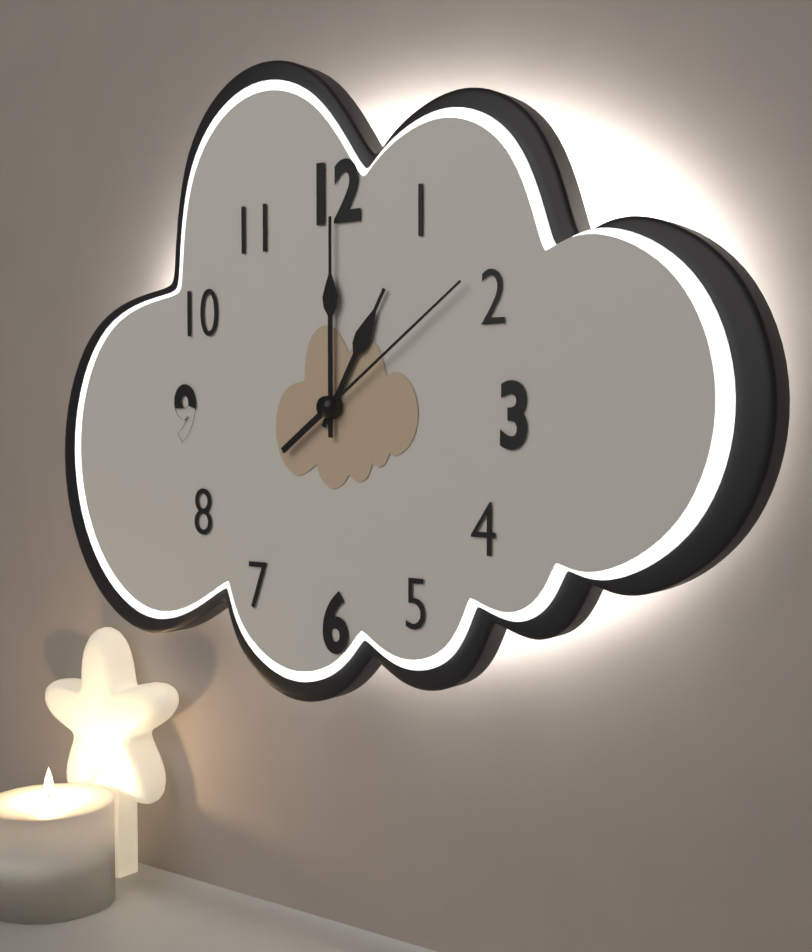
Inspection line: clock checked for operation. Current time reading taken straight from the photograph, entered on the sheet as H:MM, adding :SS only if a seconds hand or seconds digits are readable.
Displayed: 1:00:09
